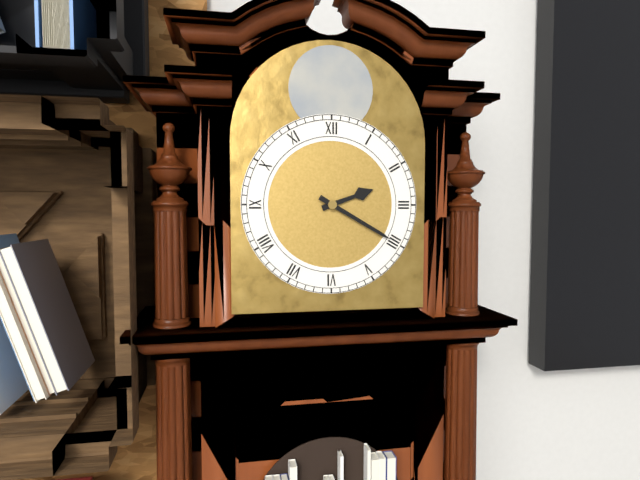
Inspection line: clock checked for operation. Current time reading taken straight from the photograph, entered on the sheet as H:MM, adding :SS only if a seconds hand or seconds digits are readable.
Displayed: 2:20
